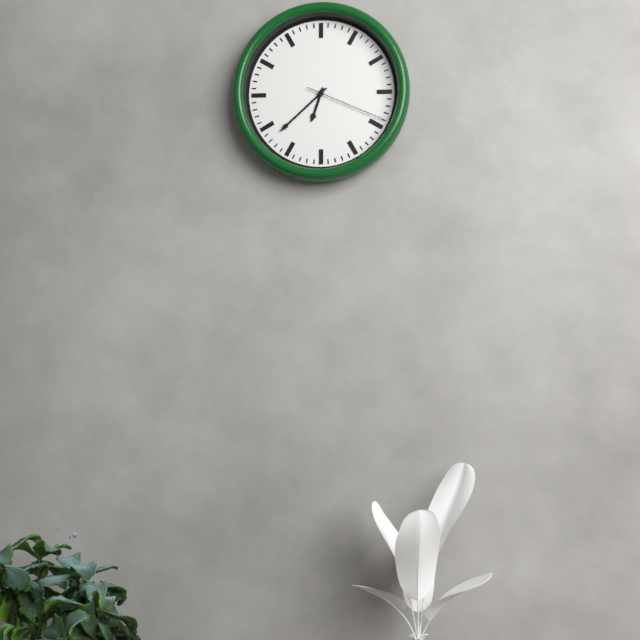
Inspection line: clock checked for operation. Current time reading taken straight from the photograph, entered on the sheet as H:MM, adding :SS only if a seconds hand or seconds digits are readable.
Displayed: 6:38:19
